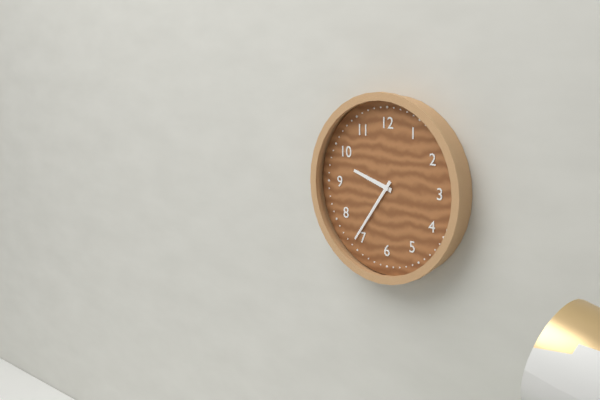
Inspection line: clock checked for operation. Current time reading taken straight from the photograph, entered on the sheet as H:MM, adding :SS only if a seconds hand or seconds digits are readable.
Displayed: 9:36
